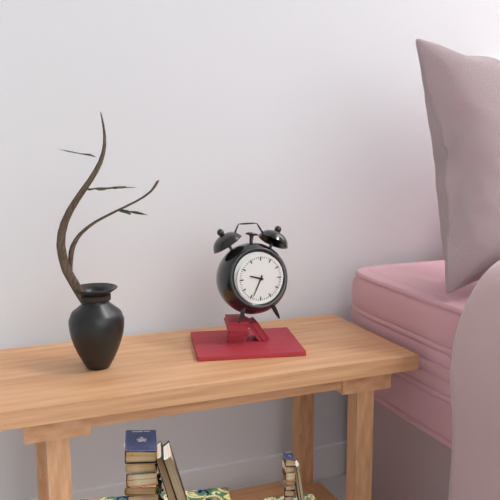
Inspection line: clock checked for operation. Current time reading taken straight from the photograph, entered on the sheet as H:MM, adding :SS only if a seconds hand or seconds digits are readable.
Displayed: 9:34
